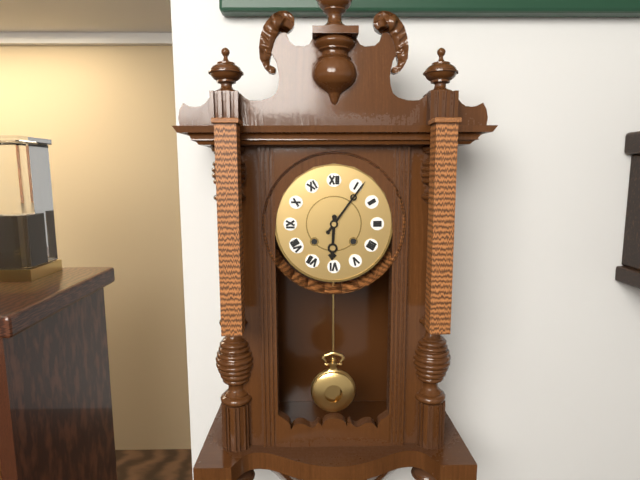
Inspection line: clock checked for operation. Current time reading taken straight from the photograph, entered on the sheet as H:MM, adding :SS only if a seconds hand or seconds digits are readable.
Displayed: 6:06
